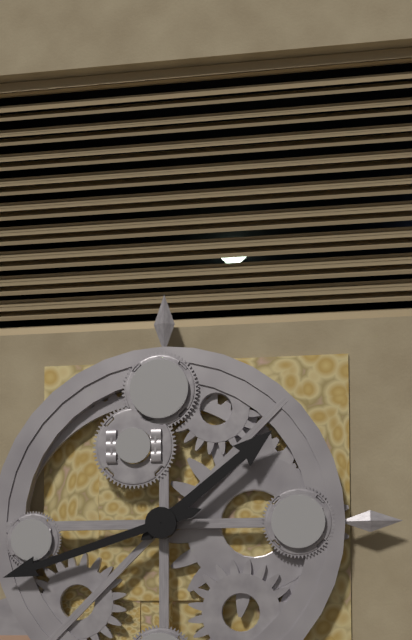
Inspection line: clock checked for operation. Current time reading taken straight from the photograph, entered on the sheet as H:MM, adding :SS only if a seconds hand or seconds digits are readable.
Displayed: 1:42
